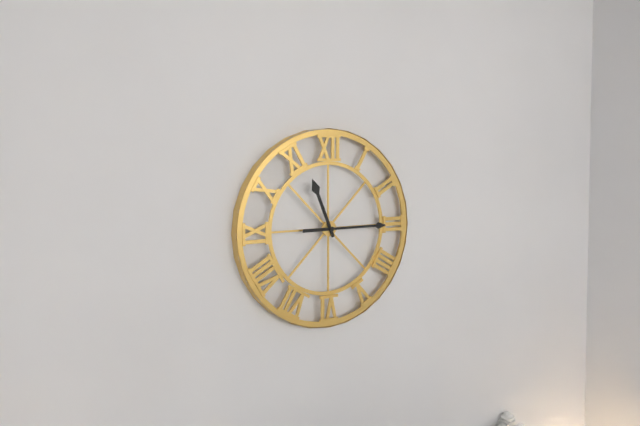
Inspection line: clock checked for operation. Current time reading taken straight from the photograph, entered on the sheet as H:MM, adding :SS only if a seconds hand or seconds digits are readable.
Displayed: 11:15
